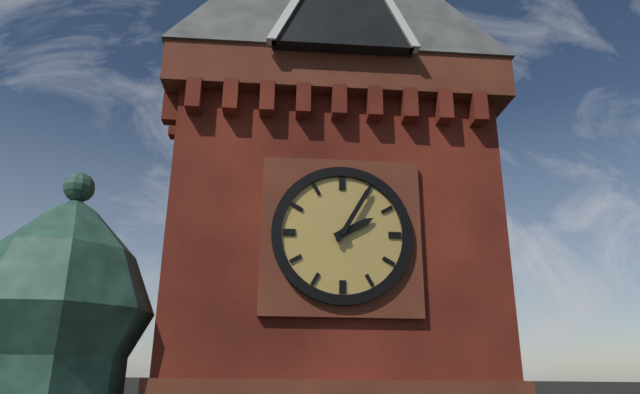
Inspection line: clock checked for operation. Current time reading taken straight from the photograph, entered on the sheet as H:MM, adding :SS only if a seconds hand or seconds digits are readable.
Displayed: 2:05
